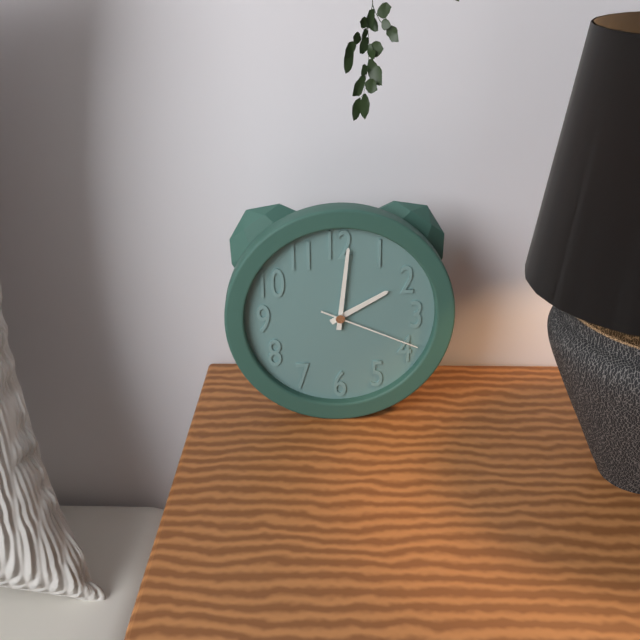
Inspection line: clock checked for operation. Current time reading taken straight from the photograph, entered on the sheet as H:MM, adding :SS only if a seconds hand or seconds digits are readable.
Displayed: 2:01:19
